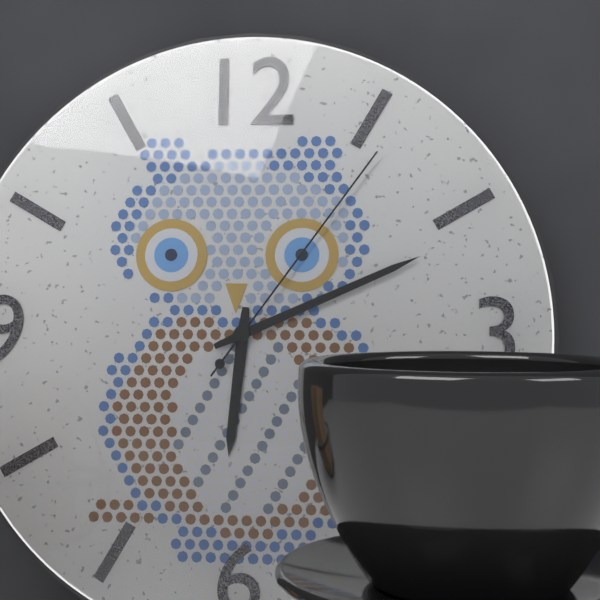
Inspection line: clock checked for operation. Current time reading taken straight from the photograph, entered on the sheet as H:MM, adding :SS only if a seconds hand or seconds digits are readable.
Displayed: 6:11:06
